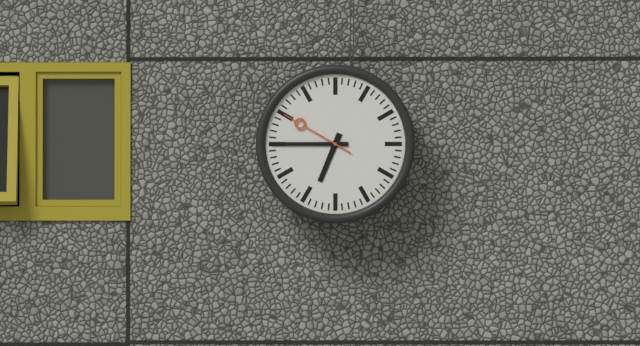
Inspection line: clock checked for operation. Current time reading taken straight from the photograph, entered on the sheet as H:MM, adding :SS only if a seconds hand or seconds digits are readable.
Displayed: 6:45:50
